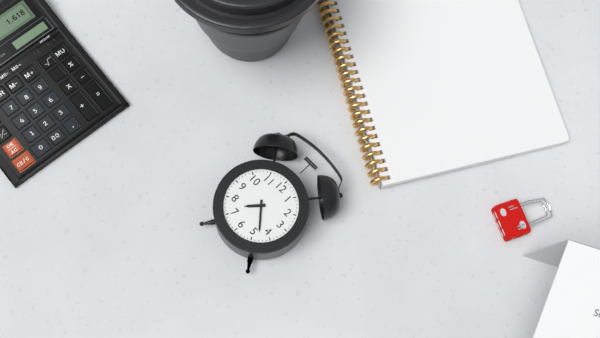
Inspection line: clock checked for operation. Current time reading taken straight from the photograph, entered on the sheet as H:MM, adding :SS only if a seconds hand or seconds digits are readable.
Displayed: 7:23
